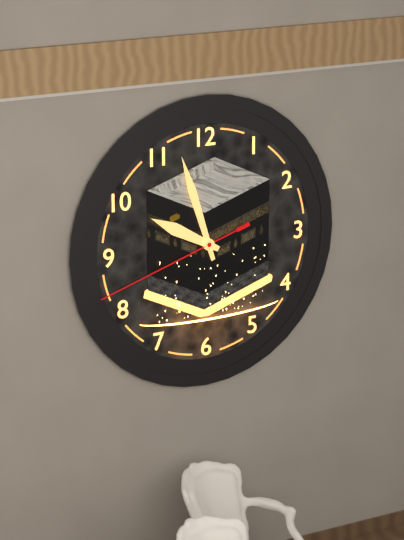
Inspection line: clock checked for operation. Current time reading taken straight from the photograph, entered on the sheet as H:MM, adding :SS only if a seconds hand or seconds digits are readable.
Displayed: 9:57:42
